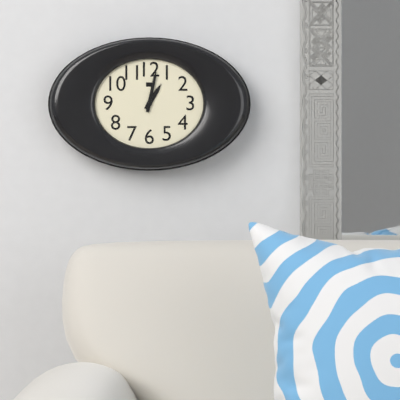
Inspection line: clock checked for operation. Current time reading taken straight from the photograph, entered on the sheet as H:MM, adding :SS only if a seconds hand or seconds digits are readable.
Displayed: 1:02
